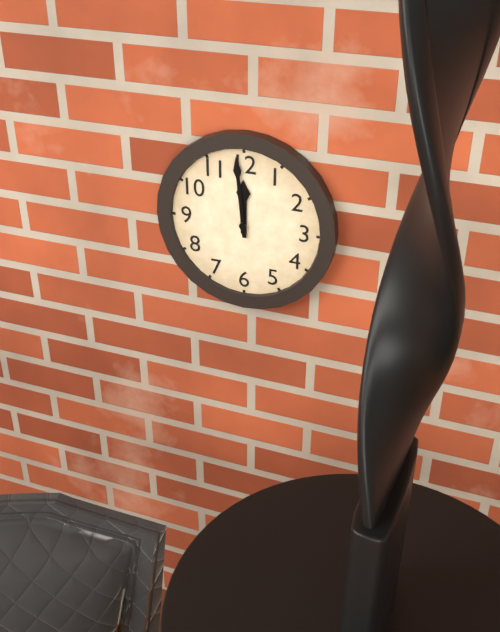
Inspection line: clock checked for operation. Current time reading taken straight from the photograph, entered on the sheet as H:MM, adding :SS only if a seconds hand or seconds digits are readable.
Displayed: 11:59
